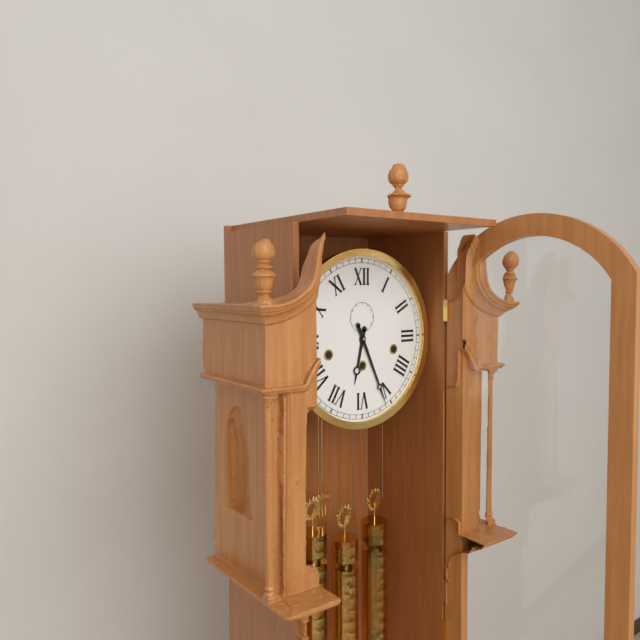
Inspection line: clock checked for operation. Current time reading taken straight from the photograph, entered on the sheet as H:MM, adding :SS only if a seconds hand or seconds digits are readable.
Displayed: 6:26
